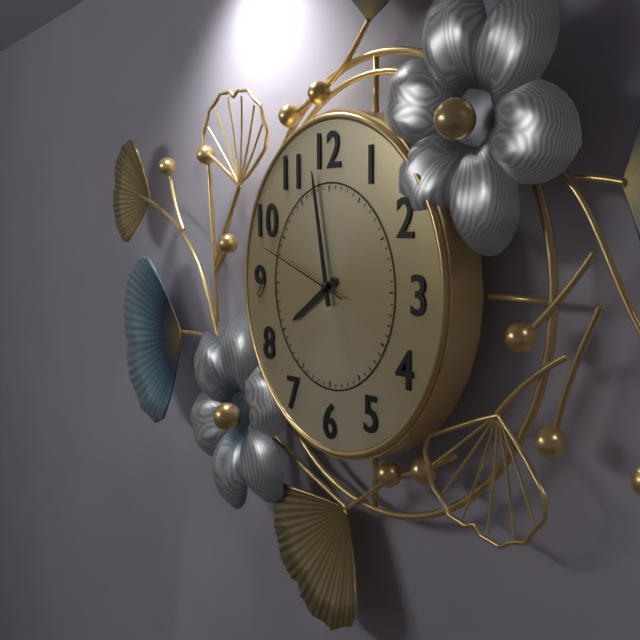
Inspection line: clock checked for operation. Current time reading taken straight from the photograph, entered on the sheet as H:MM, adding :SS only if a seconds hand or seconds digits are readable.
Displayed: 7:58:48
